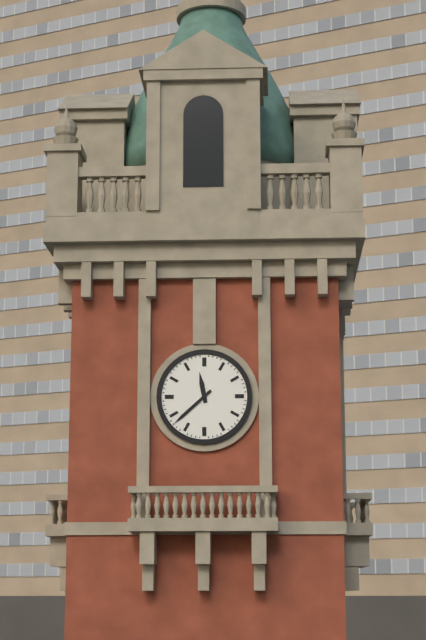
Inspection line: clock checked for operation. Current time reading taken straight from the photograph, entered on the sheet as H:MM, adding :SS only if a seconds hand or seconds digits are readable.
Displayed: 11:38
